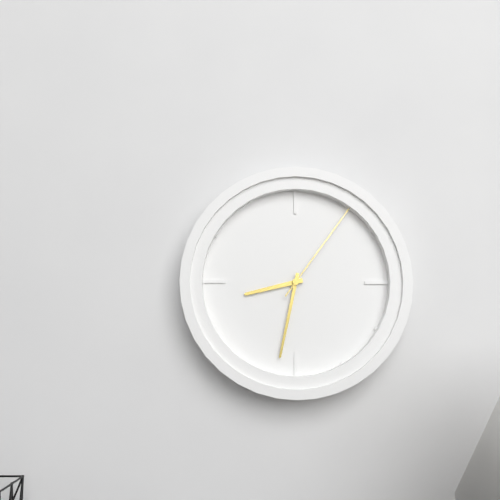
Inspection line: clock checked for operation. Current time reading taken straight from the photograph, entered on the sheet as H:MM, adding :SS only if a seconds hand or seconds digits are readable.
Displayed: 8:32:06
